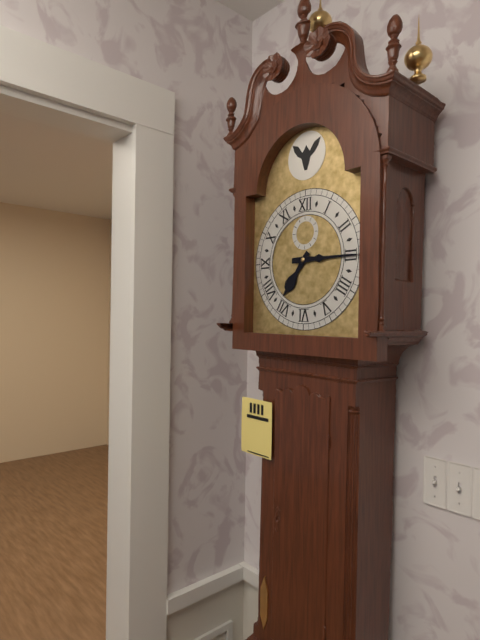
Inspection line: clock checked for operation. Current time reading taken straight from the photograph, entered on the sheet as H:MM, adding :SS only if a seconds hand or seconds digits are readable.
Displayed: 7:15
